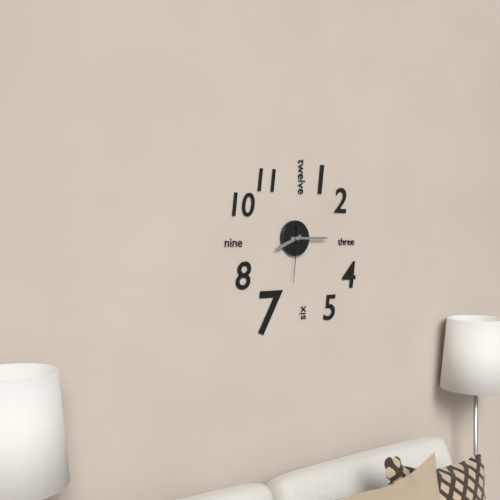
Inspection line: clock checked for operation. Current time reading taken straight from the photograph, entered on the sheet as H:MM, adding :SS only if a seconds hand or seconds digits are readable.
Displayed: 8:15:31
